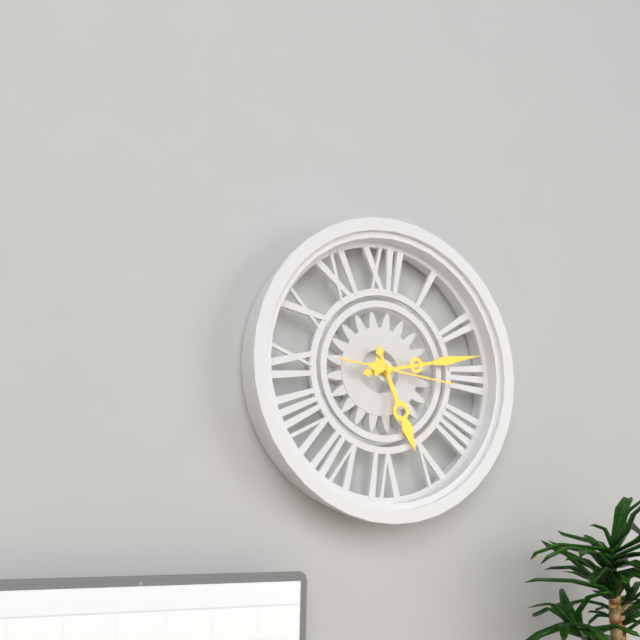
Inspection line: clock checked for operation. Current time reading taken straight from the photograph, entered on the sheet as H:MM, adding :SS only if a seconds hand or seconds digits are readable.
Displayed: 5:13:16
